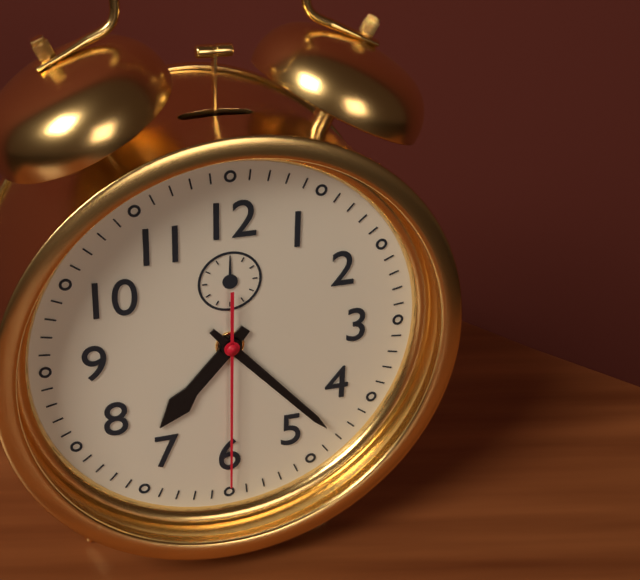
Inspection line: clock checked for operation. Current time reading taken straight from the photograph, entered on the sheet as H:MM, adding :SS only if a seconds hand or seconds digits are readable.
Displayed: 7:23:30
